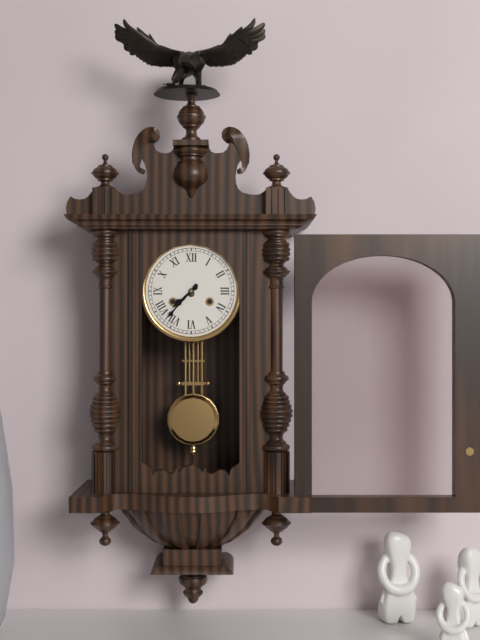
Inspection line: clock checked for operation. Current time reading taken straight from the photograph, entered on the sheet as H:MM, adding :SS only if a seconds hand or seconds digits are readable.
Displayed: 7:37
